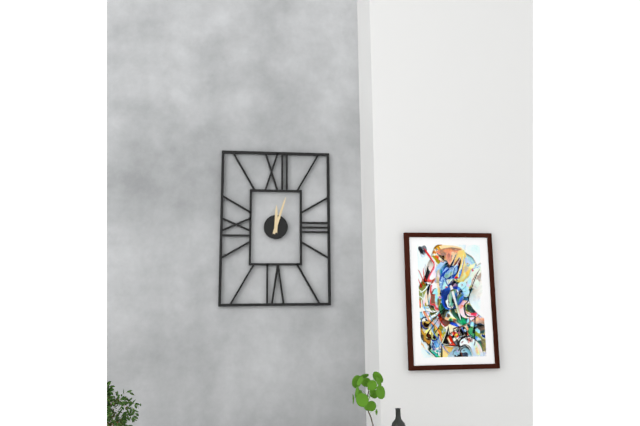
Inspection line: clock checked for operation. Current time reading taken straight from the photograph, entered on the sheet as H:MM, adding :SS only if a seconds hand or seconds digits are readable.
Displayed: 12:03
